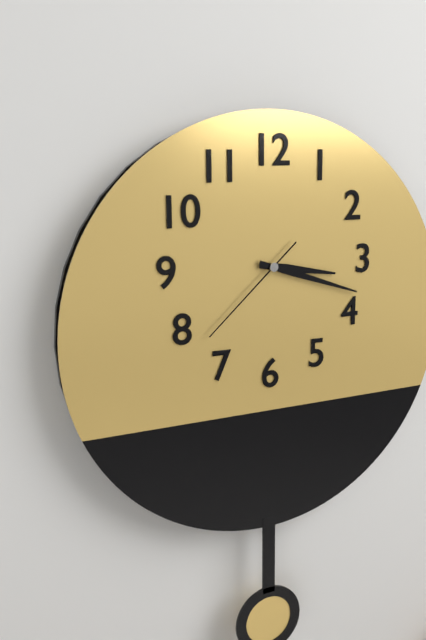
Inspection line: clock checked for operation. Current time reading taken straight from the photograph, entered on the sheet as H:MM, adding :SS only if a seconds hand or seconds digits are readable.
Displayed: 3:18:38
